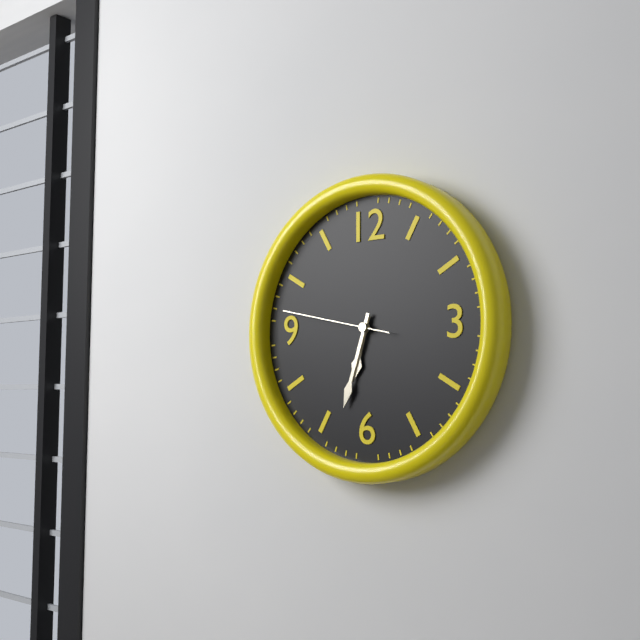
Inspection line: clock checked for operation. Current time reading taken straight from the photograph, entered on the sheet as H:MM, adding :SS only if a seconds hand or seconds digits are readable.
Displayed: 6:33:47
